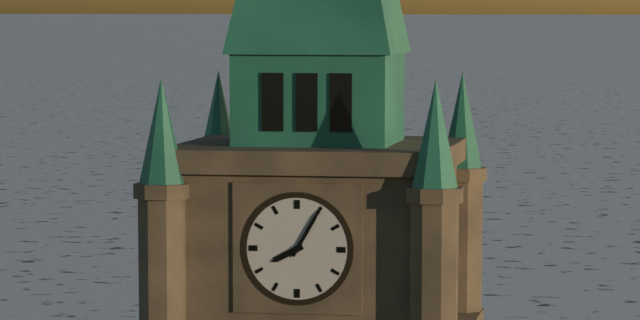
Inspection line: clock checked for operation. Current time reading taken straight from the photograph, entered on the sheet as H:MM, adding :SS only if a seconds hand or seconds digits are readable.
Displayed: 8:05
